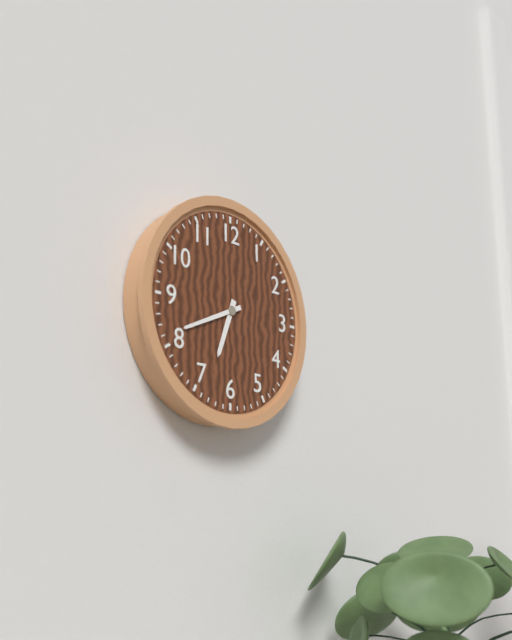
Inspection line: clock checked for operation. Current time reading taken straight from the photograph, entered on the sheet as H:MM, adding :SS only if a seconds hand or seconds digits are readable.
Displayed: 6:41
